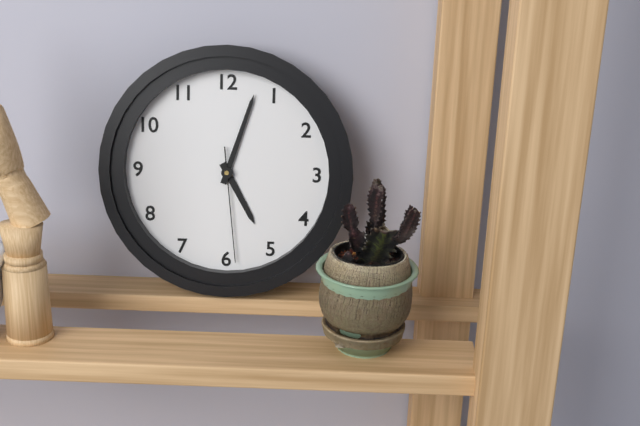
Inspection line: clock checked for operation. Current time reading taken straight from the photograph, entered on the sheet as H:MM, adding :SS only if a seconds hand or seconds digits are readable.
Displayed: 5:03:29
